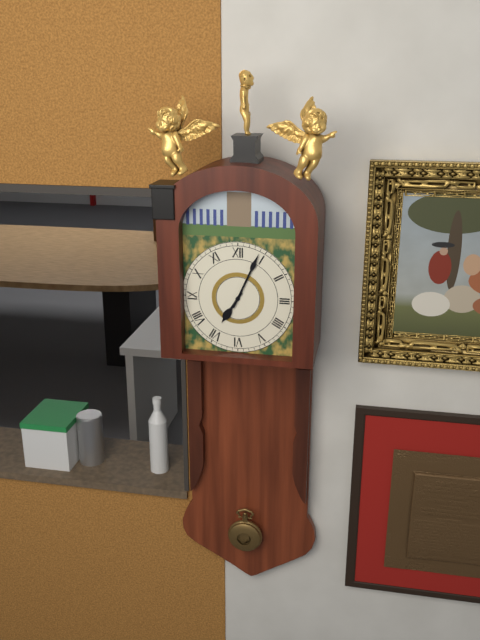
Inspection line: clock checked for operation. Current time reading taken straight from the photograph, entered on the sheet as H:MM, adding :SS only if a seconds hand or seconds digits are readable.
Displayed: 7:04
